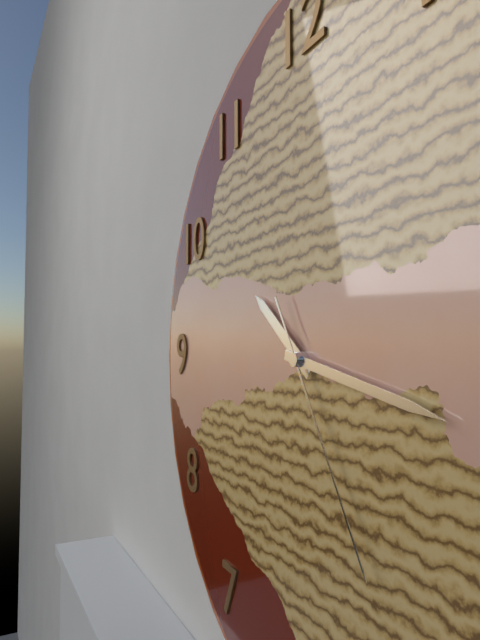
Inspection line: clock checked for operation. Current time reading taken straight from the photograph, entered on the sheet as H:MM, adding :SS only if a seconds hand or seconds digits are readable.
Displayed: 10:17:25
